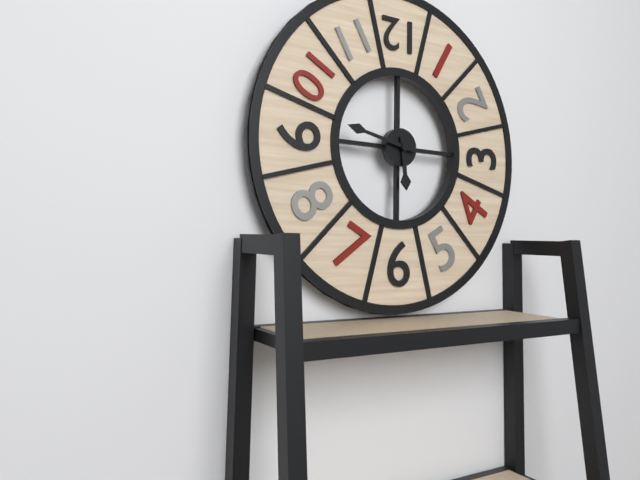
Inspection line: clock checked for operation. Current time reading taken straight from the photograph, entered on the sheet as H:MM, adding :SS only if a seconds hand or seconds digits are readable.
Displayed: 5:47
